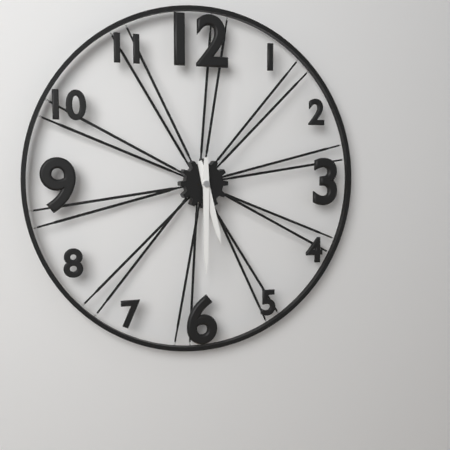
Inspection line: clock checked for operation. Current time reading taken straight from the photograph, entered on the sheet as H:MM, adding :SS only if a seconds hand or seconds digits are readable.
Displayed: 5:30
